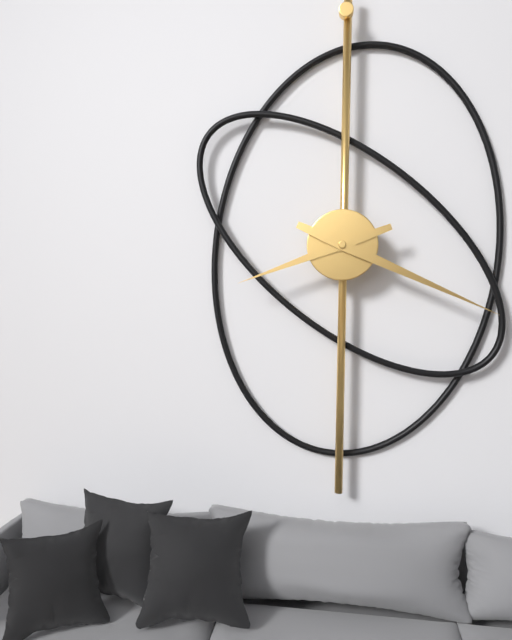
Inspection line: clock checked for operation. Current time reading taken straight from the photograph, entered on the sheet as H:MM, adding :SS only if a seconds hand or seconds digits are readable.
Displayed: 8:19
